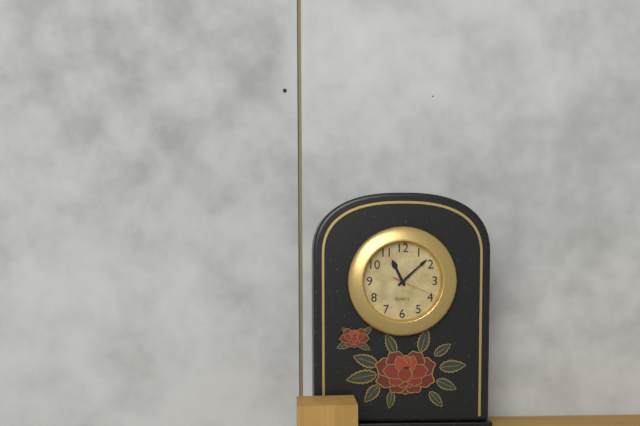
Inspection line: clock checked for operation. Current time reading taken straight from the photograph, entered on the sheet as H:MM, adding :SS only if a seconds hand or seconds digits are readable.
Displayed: 11:08
